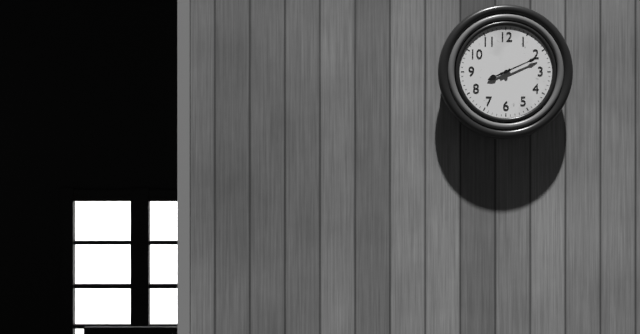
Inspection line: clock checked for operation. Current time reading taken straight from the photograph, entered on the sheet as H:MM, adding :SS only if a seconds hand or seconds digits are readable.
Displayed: 8:11
